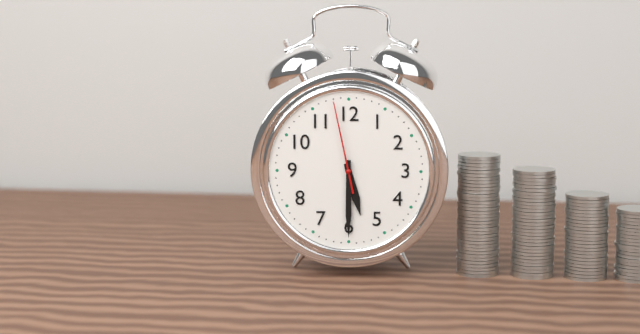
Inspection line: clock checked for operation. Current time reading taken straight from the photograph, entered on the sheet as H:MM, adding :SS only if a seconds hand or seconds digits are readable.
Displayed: 5:30:58
